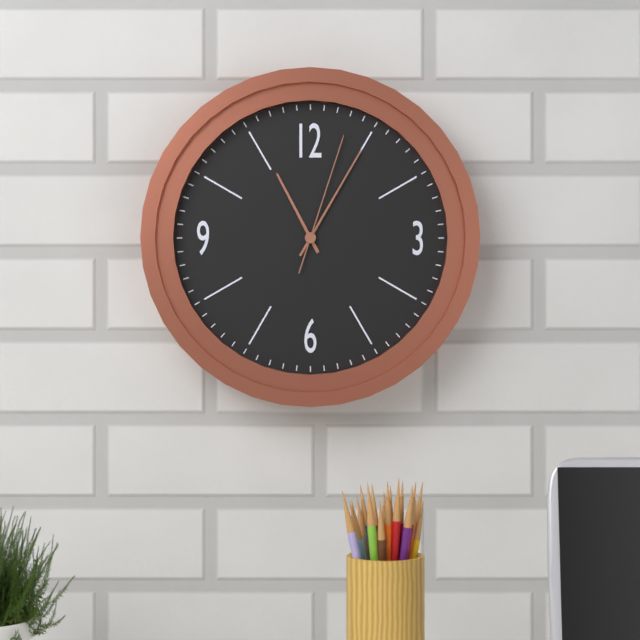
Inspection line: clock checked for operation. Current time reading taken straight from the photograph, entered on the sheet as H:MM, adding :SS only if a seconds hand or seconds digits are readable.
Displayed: 11:05:03
